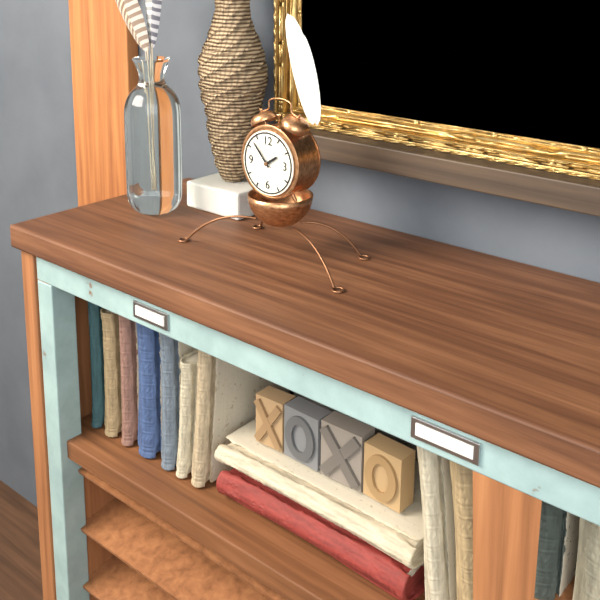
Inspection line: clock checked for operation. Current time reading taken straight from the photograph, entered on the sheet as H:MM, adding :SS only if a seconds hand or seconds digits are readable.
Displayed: 1:53
